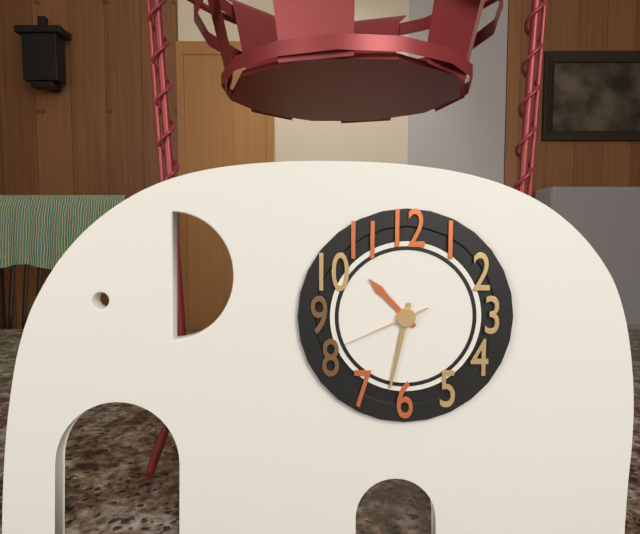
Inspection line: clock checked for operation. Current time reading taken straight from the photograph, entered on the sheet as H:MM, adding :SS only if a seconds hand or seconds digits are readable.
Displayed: 10:32:41
